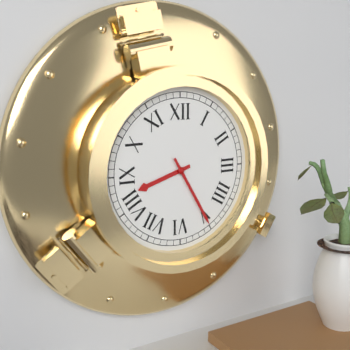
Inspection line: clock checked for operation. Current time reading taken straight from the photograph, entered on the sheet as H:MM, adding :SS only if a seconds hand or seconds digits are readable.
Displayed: 8:25
